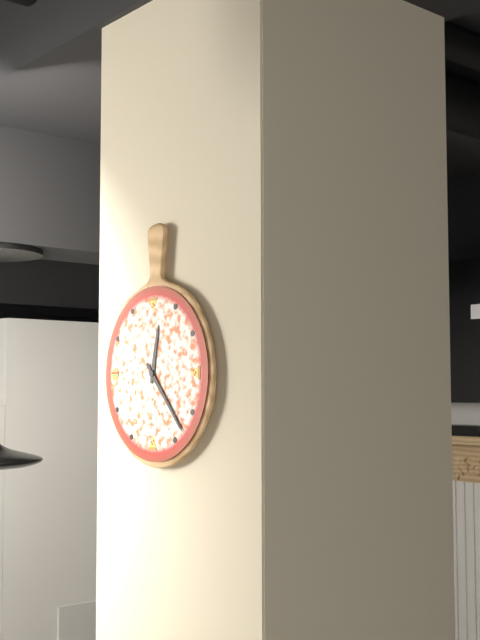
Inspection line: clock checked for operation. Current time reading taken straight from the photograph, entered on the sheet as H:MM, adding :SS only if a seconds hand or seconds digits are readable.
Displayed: 12:23
